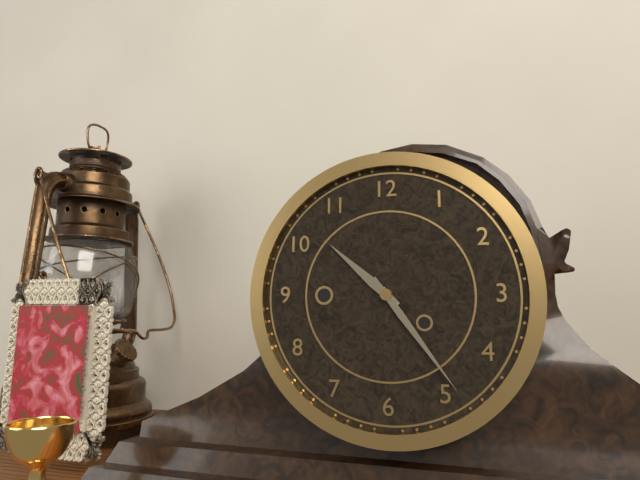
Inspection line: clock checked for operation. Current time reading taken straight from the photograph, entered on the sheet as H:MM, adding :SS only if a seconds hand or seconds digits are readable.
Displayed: 10:24
